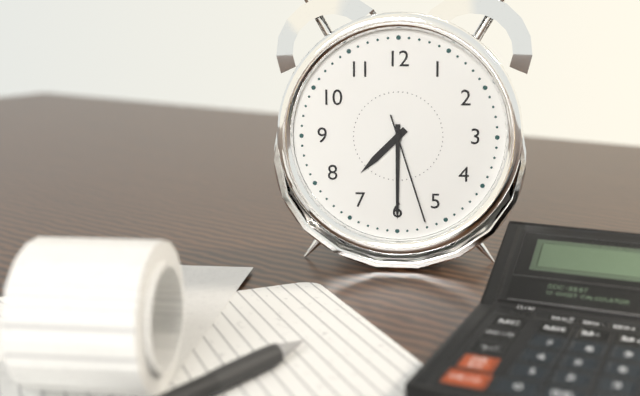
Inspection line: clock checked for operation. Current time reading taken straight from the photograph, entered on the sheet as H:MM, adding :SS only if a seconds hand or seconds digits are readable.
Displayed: 7:30:27
